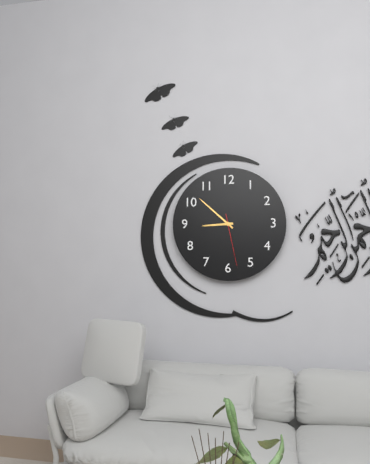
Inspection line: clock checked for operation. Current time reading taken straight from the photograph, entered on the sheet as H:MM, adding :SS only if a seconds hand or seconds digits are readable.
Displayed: 8:52:28
